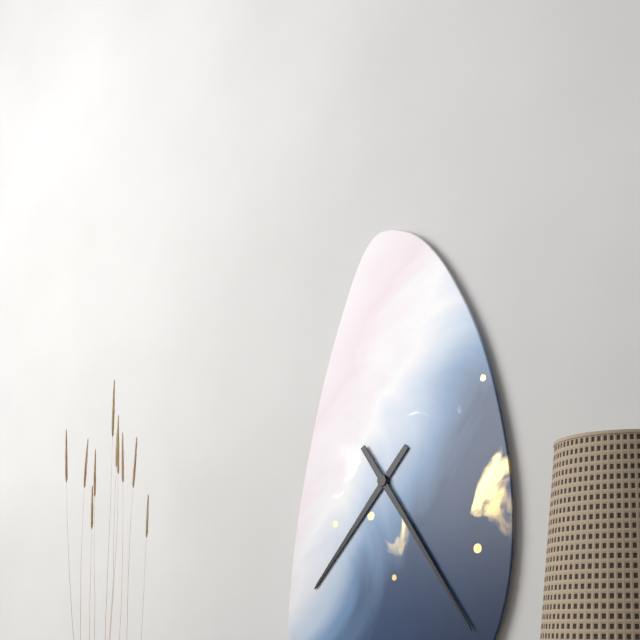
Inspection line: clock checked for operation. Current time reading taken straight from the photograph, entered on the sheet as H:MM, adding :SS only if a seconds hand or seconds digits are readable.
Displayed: 7:24
